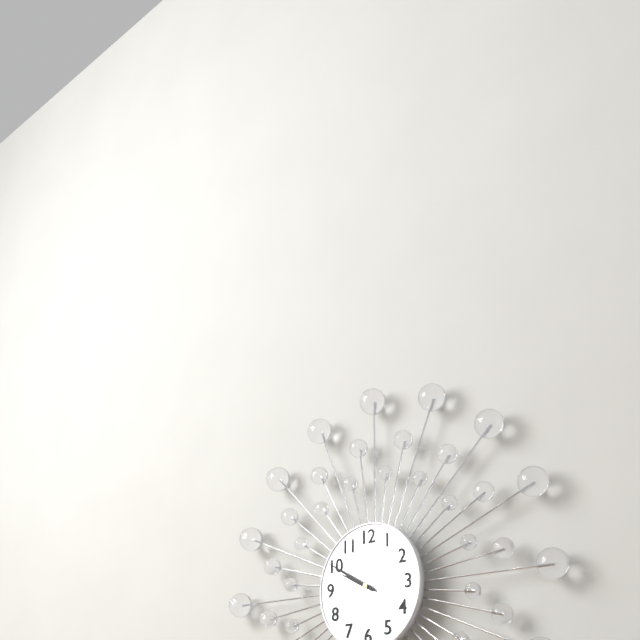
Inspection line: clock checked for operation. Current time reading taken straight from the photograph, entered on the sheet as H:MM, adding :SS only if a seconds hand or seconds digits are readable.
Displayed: 9:50
